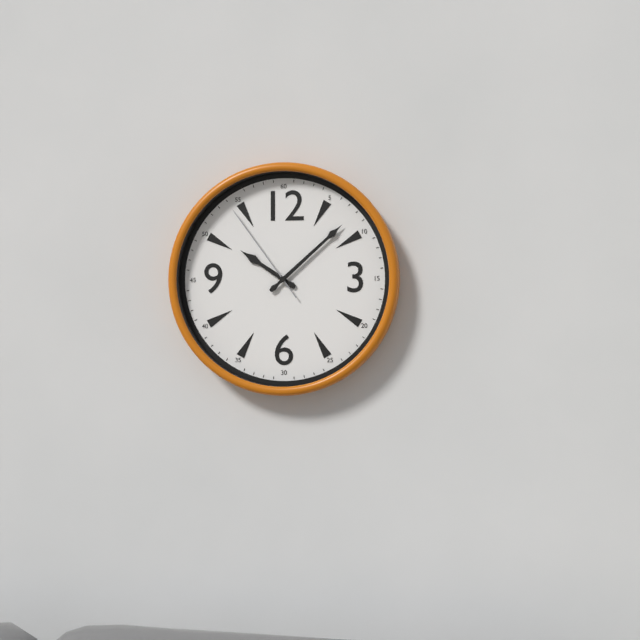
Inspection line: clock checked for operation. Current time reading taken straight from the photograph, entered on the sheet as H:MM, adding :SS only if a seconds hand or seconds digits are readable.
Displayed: 10:08:54
